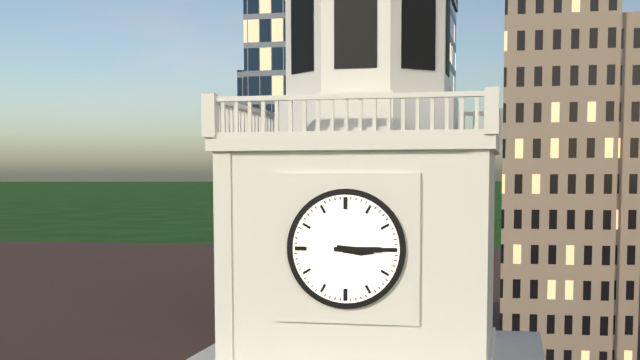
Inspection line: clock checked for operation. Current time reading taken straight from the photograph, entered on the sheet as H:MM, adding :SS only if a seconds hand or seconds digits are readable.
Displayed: 3:15
